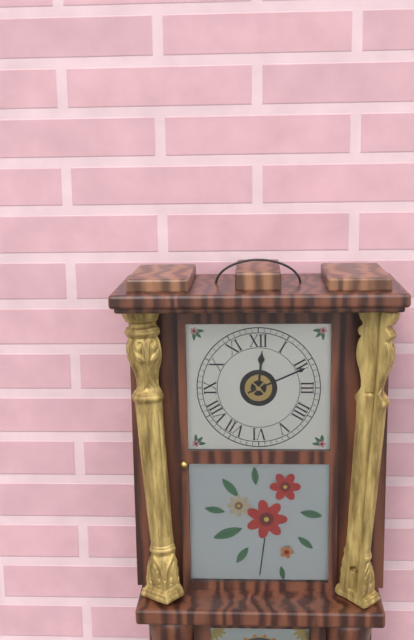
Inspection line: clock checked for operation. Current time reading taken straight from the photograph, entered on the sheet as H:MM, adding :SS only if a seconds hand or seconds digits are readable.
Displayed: 12:11
